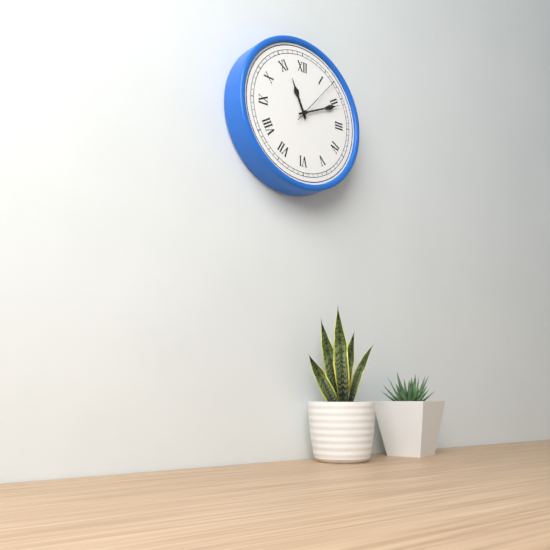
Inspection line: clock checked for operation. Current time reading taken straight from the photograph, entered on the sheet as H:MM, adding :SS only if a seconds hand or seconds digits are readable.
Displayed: 11:11:07
